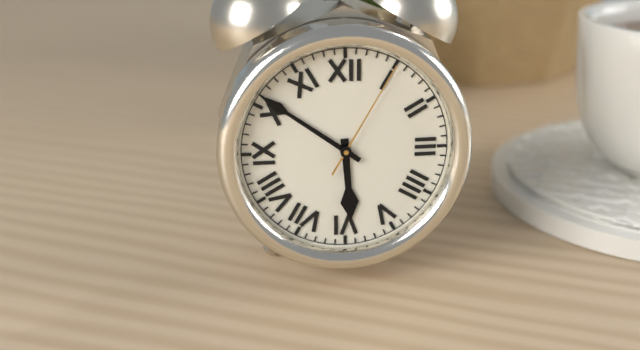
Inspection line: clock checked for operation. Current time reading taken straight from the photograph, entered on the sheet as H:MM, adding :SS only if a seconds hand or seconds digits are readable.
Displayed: 5:51:05
